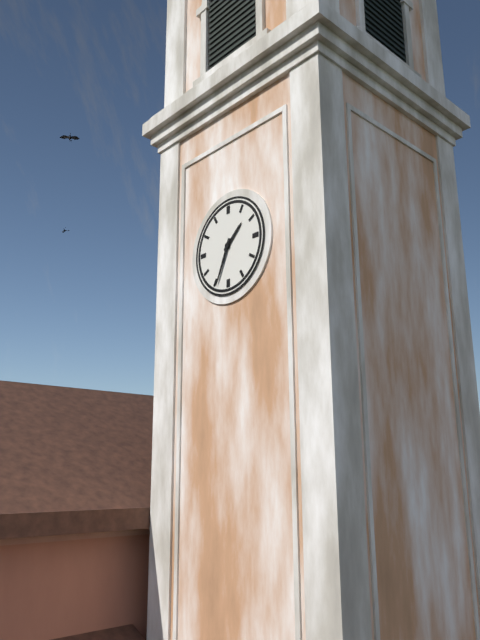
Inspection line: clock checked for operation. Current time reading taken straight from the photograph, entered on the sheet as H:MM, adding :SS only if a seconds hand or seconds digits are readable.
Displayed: 1:34
